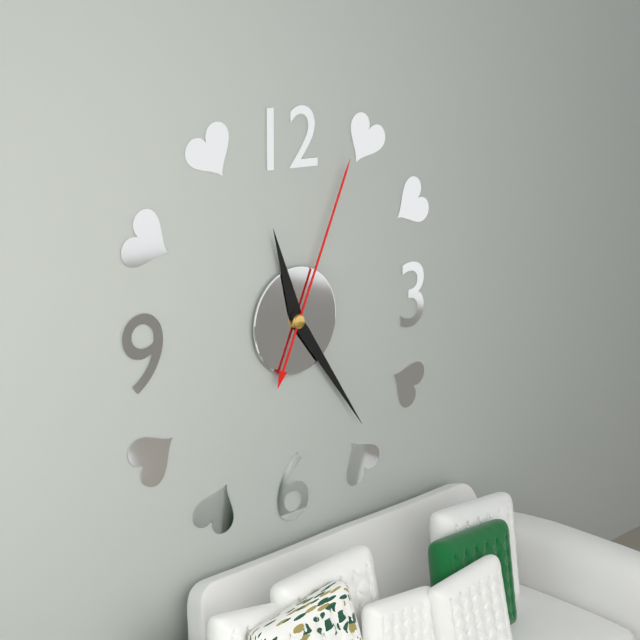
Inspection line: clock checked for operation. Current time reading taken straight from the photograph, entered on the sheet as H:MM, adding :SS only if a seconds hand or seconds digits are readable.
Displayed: 11:24:04
